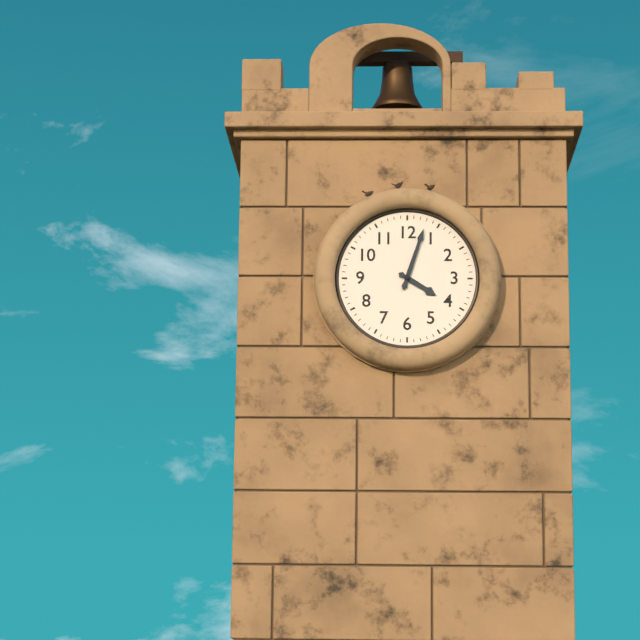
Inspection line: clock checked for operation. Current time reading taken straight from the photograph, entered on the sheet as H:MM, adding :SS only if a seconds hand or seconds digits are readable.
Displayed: 4:03
